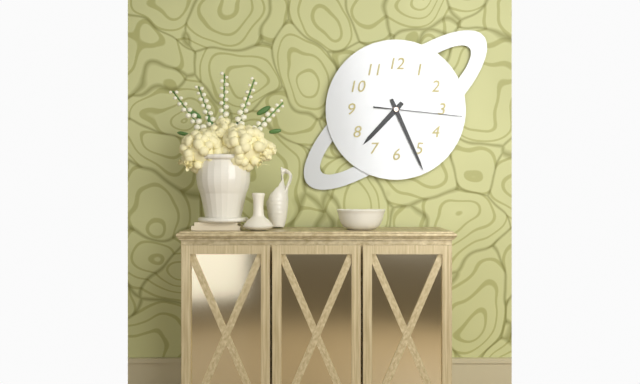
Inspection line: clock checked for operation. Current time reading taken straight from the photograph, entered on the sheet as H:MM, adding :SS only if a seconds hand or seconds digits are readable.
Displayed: 7:26:16
